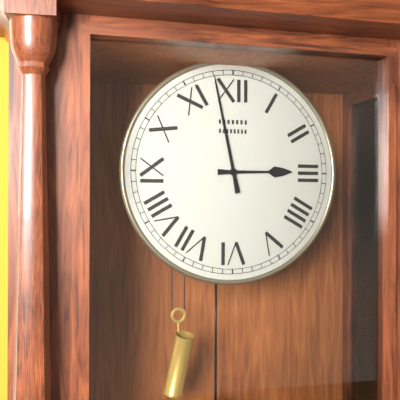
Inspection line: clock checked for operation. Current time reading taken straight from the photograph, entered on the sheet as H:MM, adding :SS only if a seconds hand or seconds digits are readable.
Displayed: 2:58
